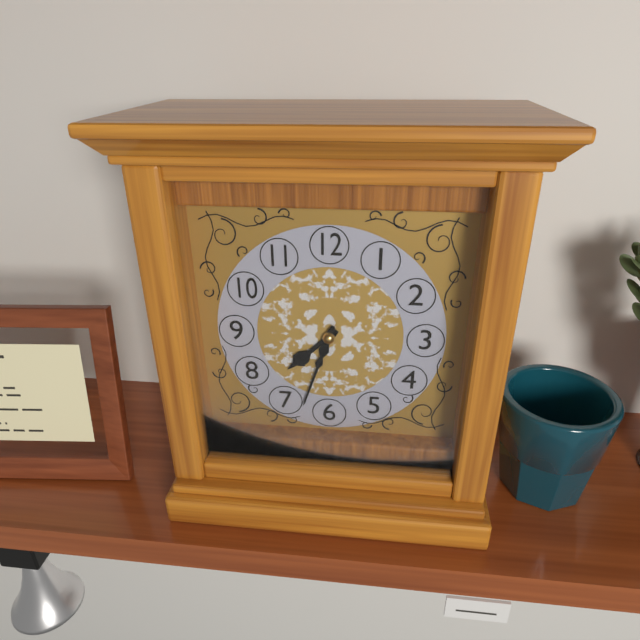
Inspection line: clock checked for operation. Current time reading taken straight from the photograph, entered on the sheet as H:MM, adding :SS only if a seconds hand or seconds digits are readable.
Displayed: 7:33
